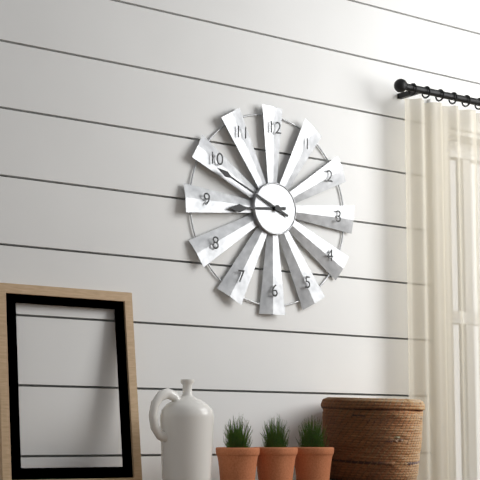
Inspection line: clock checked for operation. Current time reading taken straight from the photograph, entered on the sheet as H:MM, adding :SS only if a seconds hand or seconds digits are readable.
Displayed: 8:49
